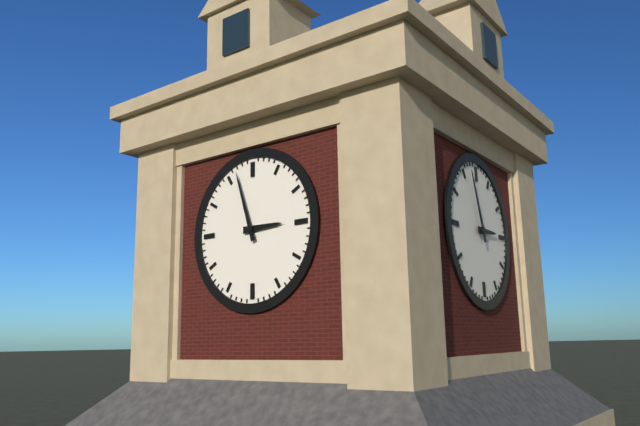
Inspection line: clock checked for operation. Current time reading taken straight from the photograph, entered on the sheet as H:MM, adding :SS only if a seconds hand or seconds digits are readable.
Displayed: 2:57
